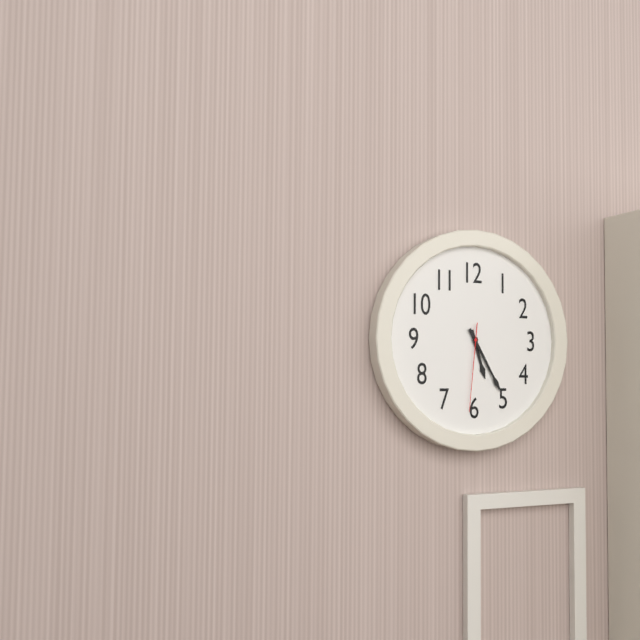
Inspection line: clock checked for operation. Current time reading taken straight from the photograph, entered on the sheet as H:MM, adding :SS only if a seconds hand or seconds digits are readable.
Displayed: 5:25:31
